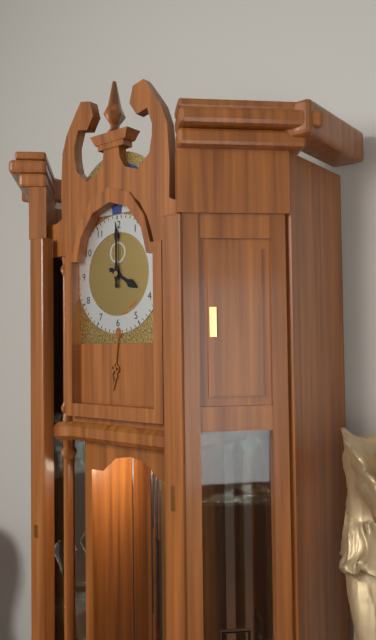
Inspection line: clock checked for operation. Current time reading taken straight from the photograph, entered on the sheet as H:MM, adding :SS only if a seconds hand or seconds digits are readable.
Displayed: 4:00
